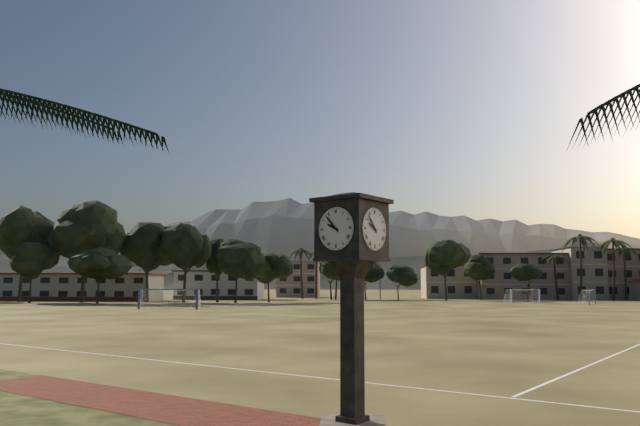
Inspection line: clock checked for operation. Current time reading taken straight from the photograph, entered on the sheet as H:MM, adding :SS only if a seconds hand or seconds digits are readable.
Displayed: 9:53
